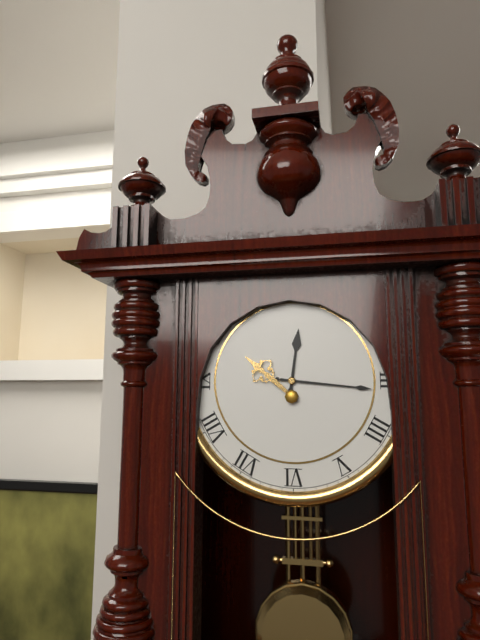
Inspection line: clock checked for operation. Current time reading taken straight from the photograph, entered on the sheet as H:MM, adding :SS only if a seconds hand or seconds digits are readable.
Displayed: 12:16
